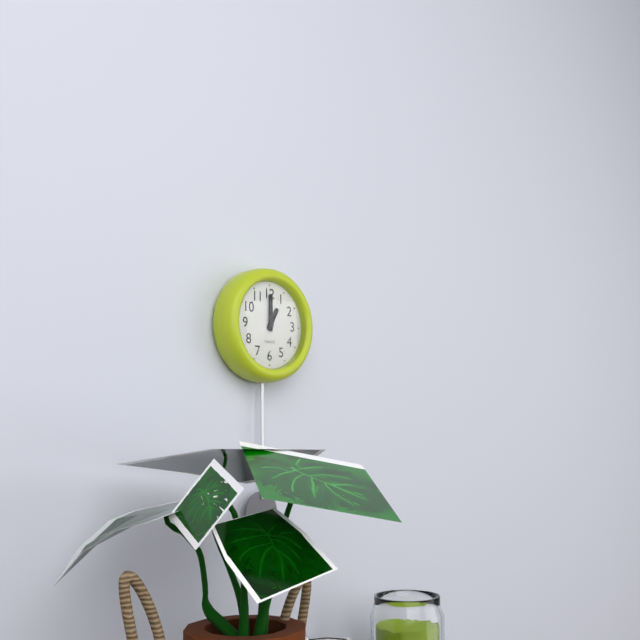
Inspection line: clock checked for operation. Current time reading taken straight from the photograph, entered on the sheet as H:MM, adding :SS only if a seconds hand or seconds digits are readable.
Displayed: 1:00
